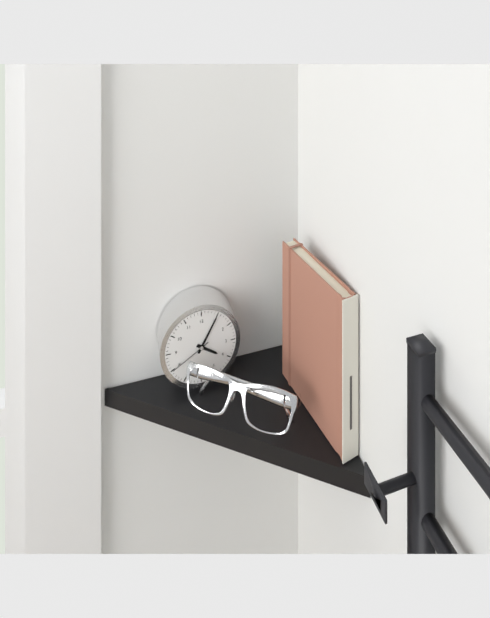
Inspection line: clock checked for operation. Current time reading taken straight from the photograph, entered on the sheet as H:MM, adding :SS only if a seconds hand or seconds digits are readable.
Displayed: 4:05
